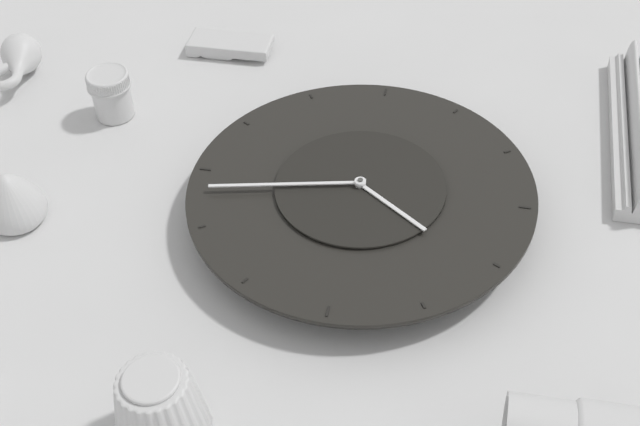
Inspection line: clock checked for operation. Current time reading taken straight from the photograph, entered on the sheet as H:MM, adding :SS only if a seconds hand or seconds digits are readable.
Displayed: 10:13
